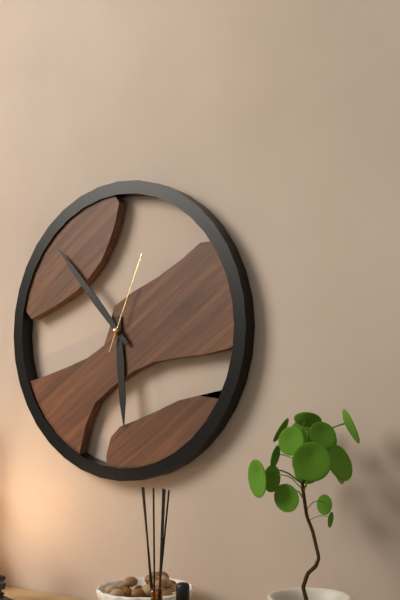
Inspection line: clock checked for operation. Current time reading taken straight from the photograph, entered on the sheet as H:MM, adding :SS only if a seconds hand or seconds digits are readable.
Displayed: 5:53:04
